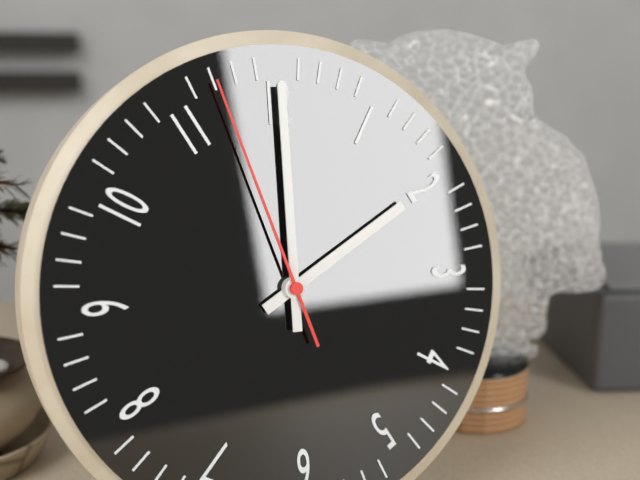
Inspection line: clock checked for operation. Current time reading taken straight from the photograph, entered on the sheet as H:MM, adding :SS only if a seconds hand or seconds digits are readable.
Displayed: 2:00:57
